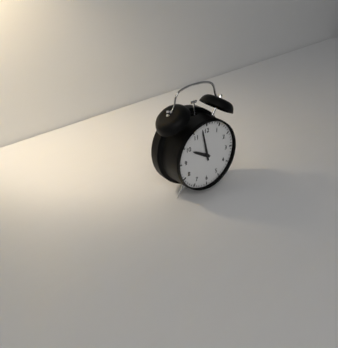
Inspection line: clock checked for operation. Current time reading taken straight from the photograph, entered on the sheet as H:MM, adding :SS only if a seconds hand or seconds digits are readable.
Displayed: 9:58
